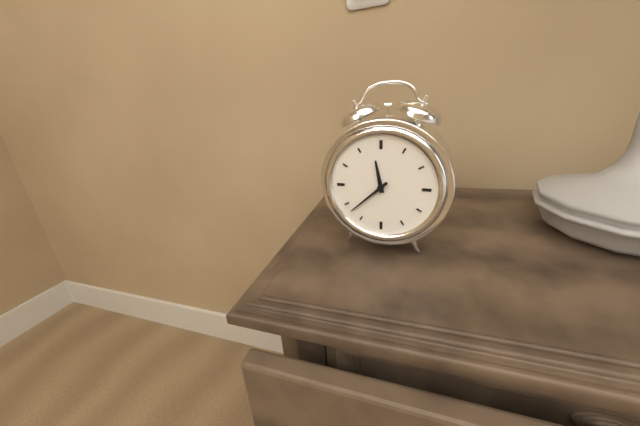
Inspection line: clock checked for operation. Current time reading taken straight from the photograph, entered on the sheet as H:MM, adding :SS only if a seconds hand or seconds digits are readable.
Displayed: 11:38
